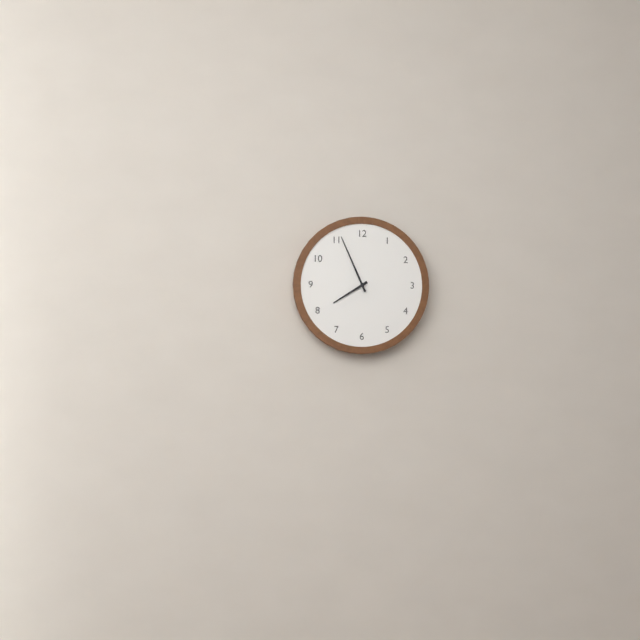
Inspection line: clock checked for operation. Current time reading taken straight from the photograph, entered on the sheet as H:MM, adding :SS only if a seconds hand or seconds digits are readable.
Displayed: 7:56
